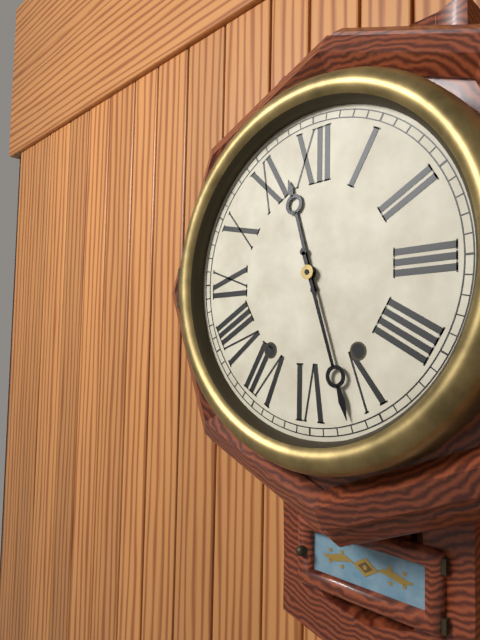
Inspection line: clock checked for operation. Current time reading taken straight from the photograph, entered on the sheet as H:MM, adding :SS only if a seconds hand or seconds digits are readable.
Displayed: 11:27
